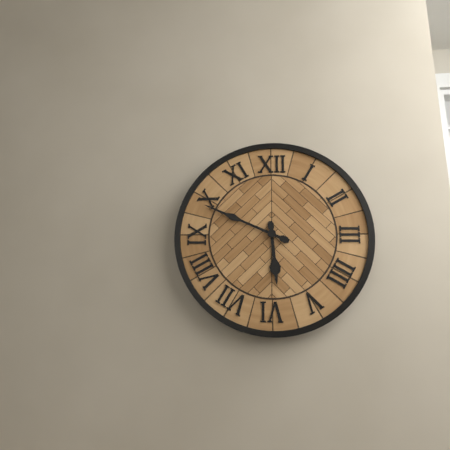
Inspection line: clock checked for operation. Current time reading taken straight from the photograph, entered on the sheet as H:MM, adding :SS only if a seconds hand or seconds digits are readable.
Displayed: 5:49
